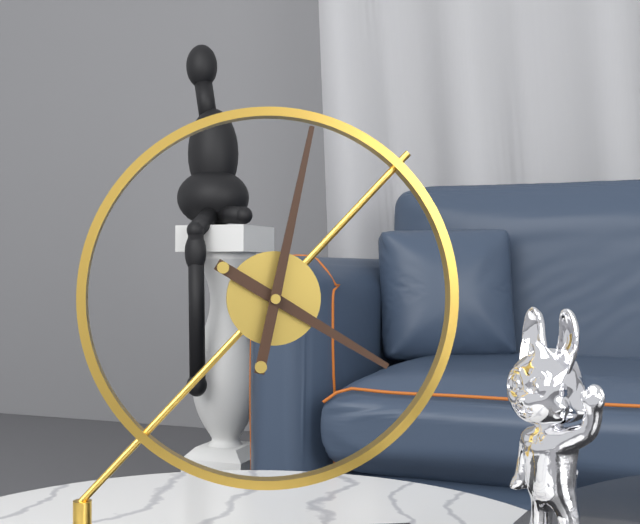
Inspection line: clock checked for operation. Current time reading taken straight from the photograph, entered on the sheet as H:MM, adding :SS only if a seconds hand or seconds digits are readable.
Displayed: 4:02
